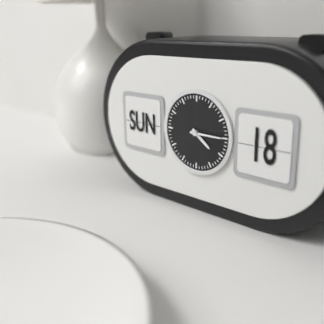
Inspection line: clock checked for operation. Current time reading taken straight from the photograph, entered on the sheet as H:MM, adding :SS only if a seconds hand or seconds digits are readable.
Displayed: 4:15
